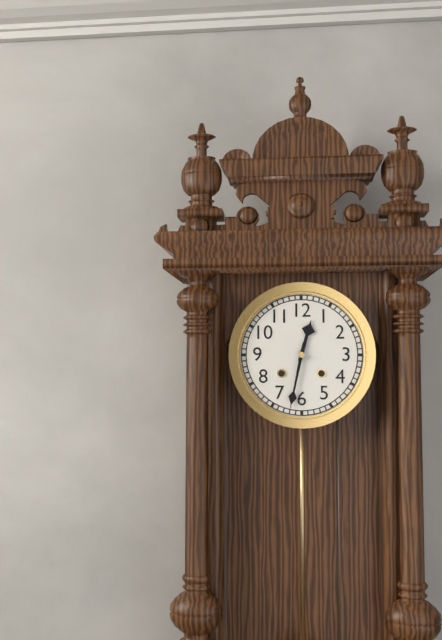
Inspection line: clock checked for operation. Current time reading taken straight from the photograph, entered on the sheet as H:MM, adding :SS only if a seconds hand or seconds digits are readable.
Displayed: 12:32
